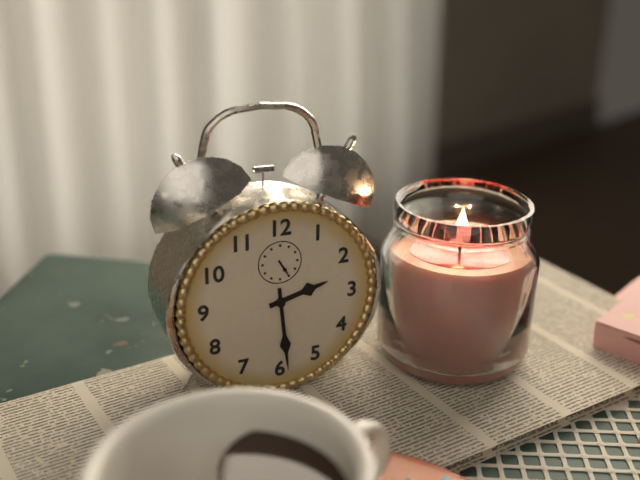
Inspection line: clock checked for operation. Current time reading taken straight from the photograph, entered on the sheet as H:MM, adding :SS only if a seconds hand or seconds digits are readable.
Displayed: 2:29
